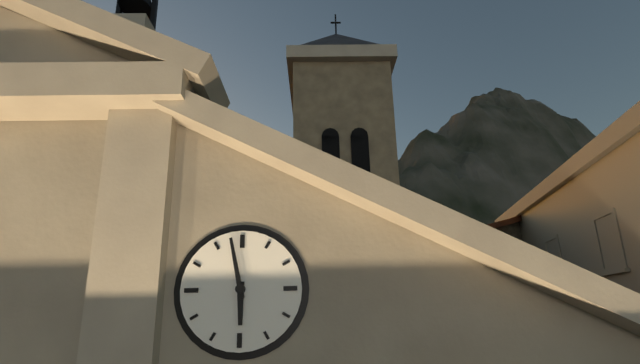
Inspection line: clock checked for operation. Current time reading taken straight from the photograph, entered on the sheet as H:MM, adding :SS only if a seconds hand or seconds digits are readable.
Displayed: 5:58
